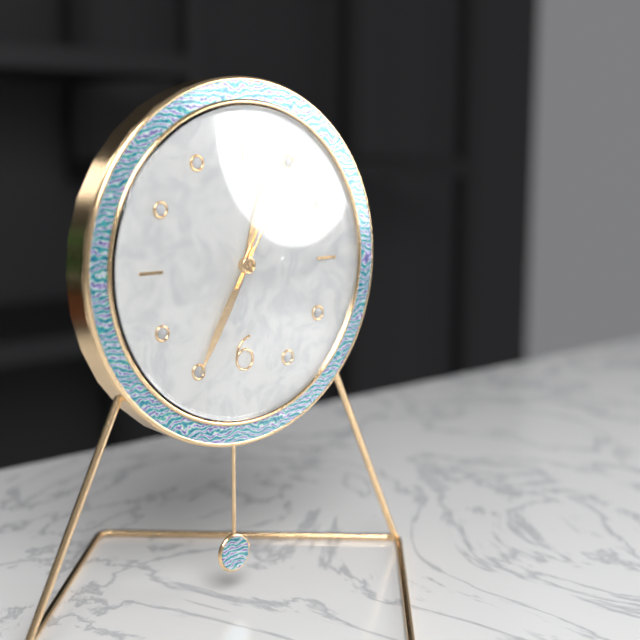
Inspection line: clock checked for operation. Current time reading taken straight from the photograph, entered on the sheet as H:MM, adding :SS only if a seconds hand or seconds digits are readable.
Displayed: 12:35:05
